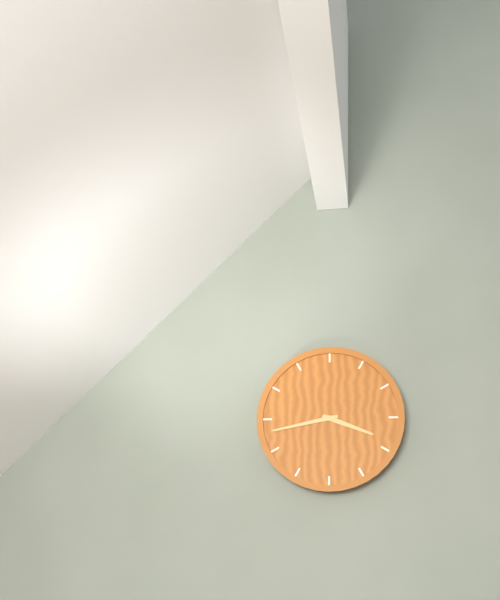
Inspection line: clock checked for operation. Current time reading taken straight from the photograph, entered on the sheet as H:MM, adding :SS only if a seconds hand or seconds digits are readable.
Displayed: 3:43
